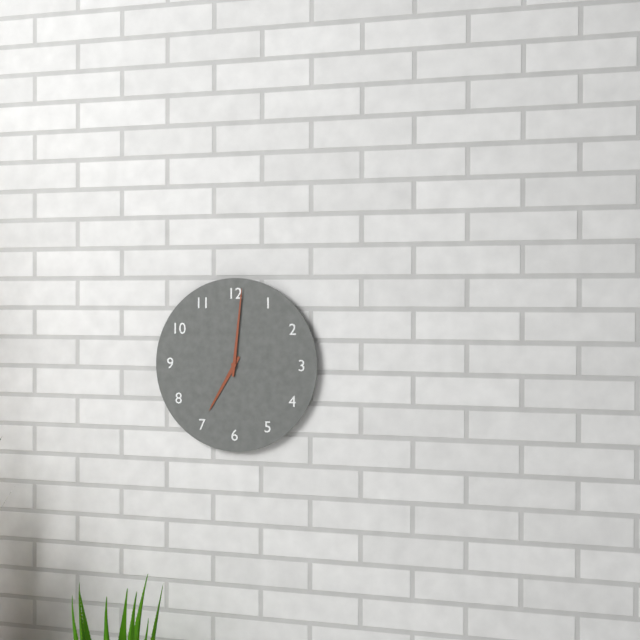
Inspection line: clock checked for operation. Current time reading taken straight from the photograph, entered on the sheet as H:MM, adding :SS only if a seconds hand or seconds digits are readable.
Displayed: 7:01
